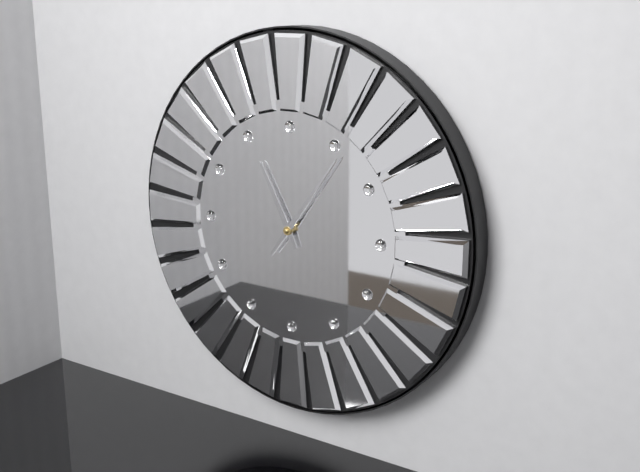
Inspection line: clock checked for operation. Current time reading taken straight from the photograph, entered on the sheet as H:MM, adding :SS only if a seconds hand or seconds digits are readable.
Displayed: 11:06
